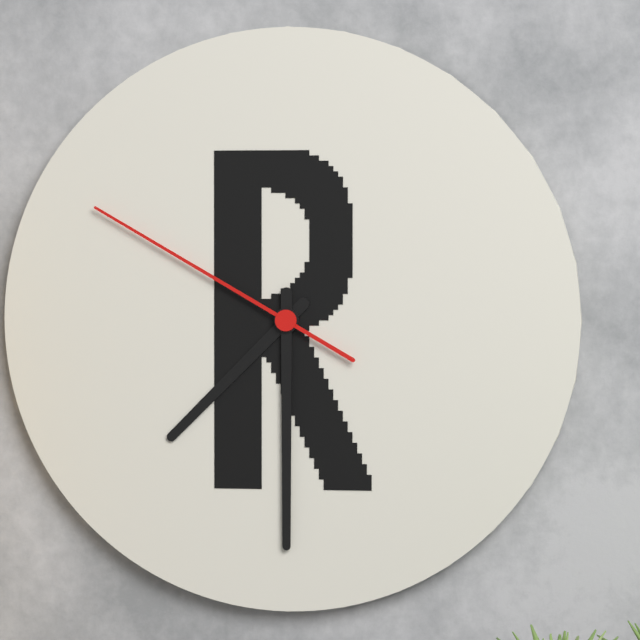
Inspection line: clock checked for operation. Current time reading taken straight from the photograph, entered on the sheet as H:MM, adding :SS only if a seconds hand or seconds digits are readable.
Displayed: 7:30:50
